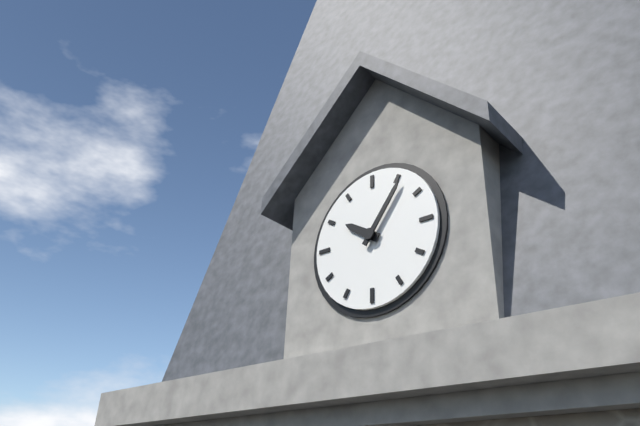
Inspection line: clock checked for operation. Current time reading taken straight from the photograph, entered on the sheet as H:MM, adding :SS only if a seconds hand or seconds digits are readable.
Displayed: 10:06
